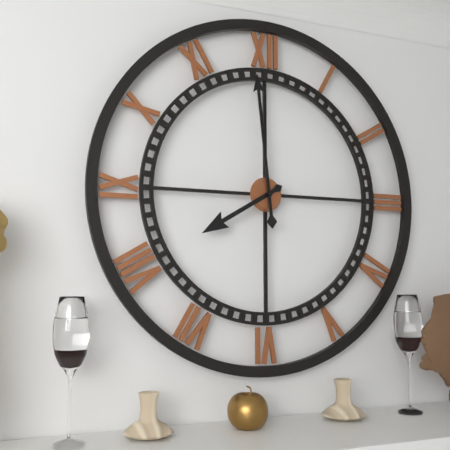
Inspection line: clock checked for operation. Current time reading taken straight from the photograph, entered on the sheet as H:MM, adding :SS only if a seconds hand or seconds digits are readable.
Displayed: 7:59
